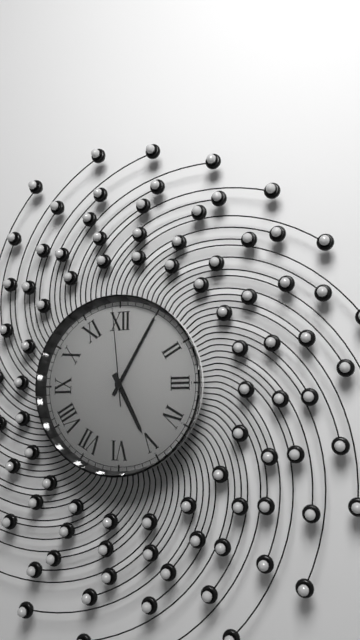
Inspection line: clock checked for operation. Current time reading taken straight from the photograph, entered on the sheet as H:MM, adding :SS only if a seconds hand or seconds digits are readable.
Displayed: 5:05:59
